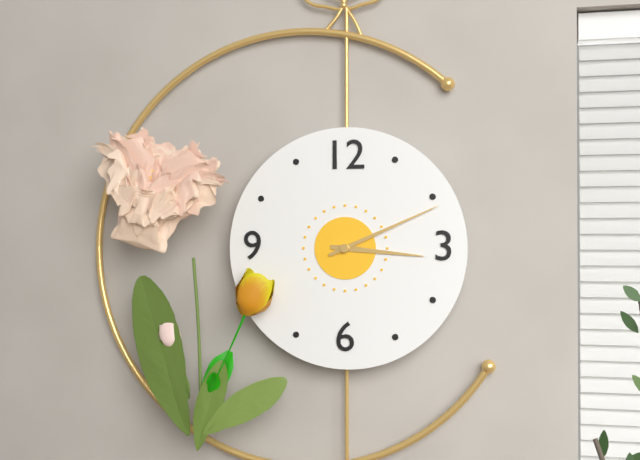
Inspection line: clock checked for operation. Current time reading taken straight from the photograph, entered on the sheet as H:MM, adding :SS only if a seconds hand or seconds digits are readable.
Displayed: 3:11
